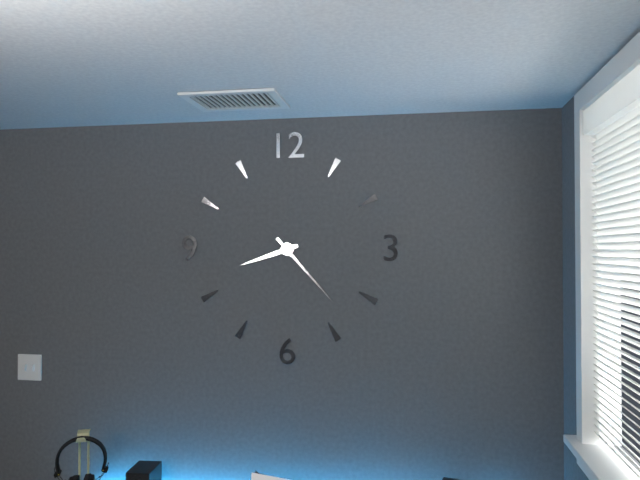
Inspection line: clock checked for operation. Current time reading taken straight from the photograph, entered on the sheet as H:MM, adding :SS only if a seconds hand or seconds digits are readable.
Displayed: 8:23
